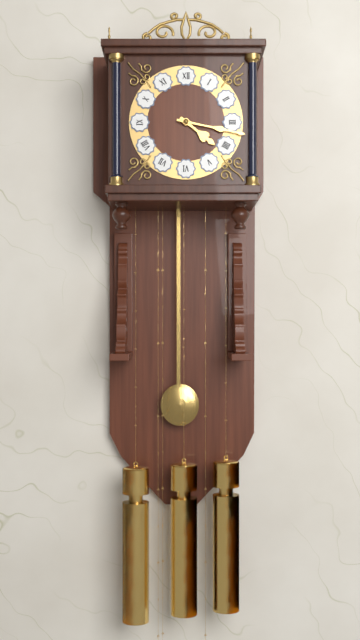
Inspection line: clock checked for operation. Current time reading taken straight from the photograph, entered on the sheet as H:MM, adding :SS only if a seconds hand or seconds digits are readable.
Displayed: 4:17
